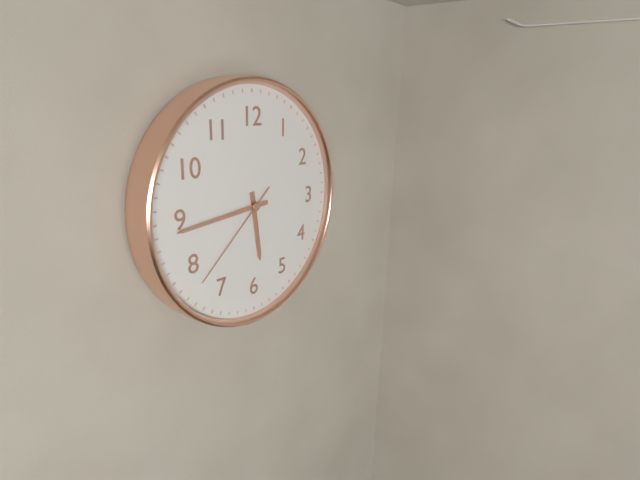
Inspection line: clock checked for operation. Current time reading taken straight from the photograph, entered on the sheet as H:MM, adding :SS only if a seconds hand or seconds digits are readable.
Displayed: 5:44:38
